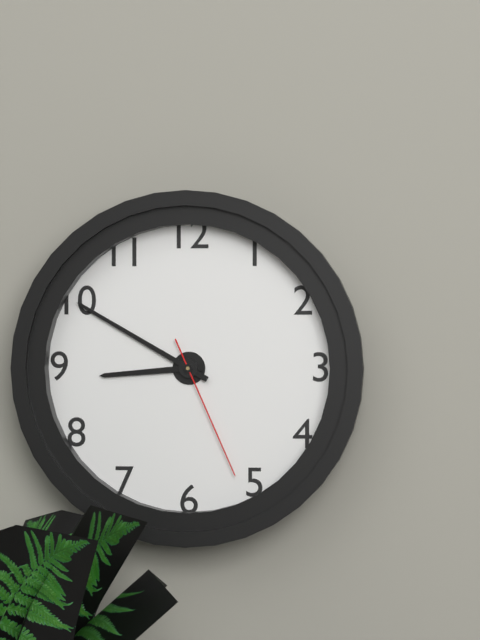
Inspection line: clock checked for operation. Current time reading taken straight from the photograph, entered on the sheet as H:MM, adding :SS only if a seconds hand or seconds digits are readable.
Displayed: 8:50:26
